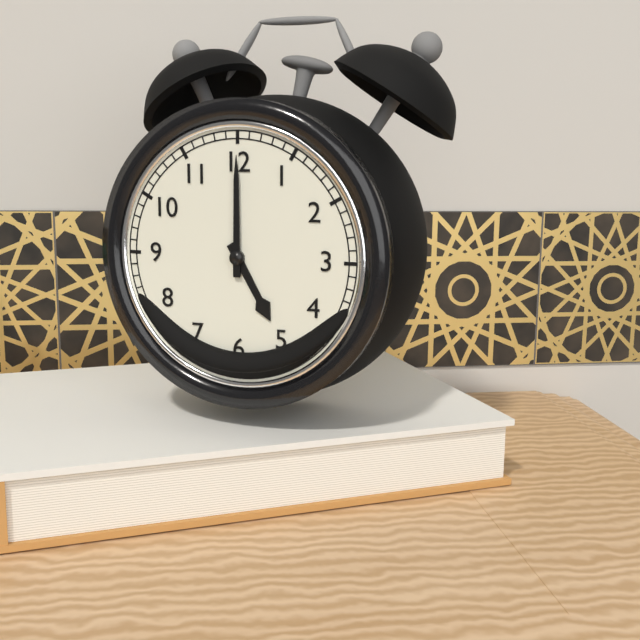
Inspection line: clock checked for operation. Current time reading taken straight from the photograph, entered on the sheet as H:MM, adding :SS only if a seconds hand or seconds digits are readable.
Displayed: 5:00
